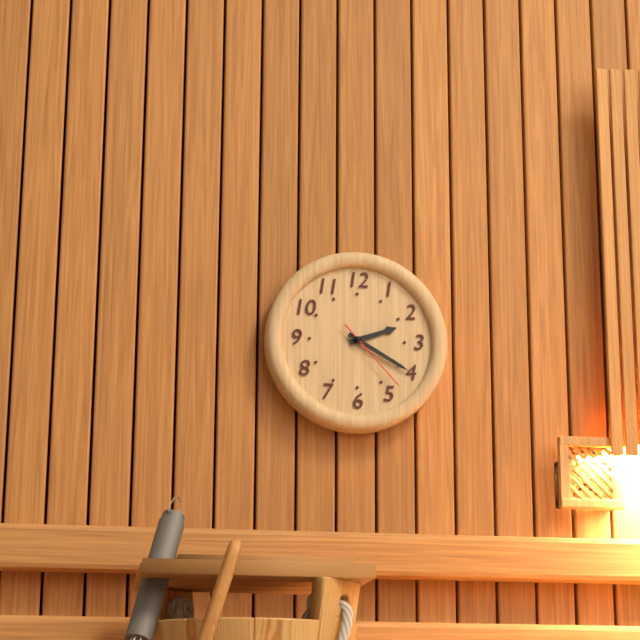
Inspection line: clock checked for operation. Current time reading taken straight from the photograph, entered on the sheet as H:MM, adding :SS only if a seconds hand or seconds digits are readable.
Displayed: 2:20:23
